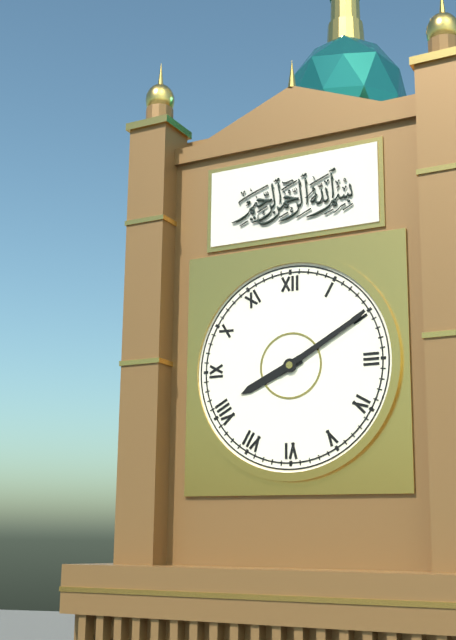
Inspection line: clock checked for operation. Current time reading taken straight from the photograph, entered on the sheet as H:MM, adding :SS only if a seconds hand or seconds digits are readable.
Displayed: 8:10
